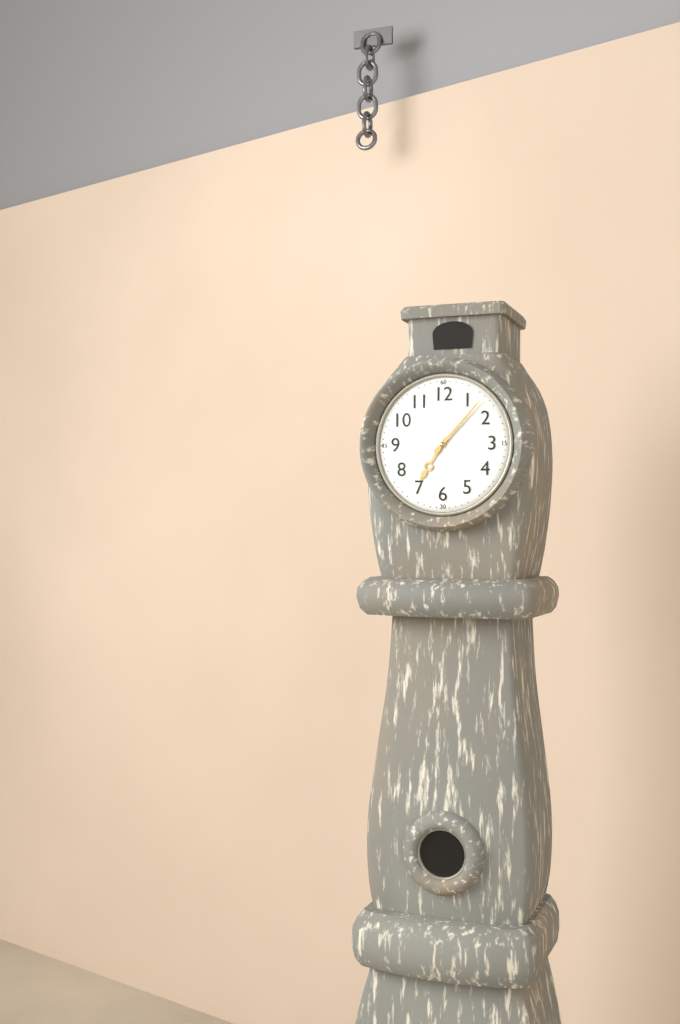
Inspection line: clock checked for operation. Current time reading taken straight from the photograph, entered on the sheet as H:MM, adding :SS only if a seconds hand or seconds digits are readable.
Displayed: 7:07
